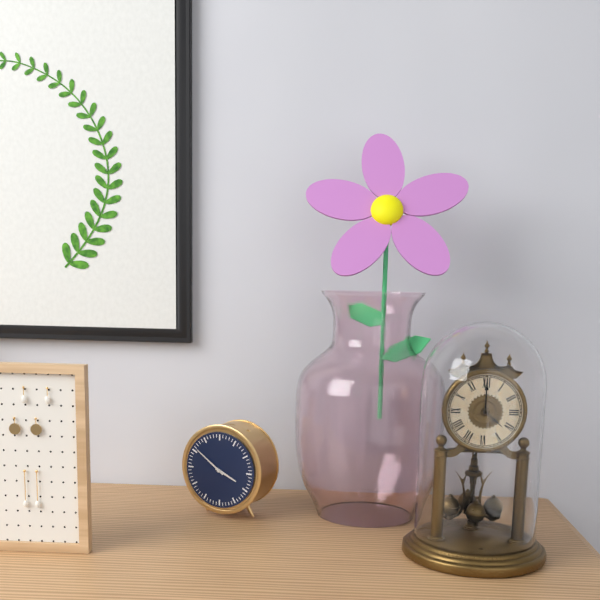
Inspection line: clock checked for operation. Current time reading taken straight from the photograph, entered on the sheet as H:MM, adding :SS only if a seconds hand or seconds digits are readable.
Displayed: 3:51
